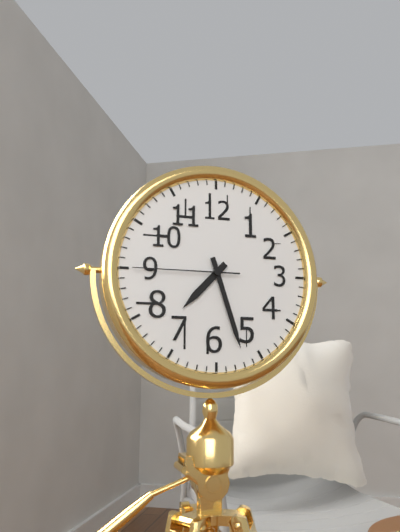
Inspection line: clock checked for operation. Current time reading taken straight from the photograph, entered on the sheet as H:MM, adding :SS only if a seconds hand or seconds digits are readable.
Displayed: 7:27:45
